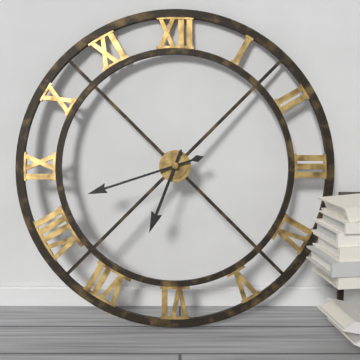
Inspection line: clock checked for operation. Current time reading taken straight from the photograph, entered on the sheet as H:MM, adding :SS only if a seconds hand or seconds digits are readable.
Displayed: 6:42
